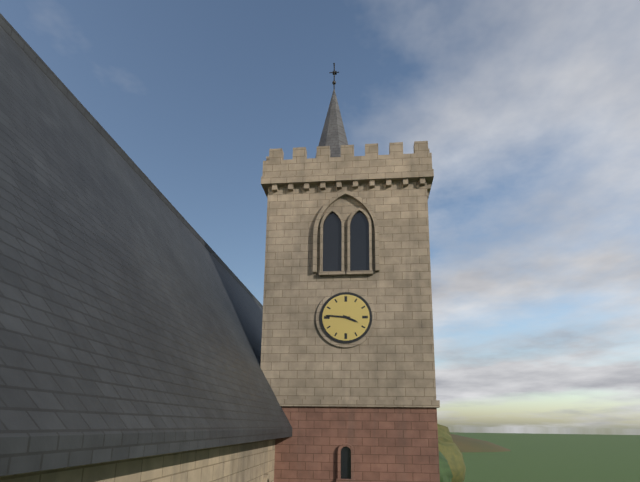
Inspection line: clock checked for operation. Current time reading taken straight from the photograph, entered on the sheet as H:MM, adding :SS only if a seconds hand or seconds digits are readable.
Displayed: 3:46
